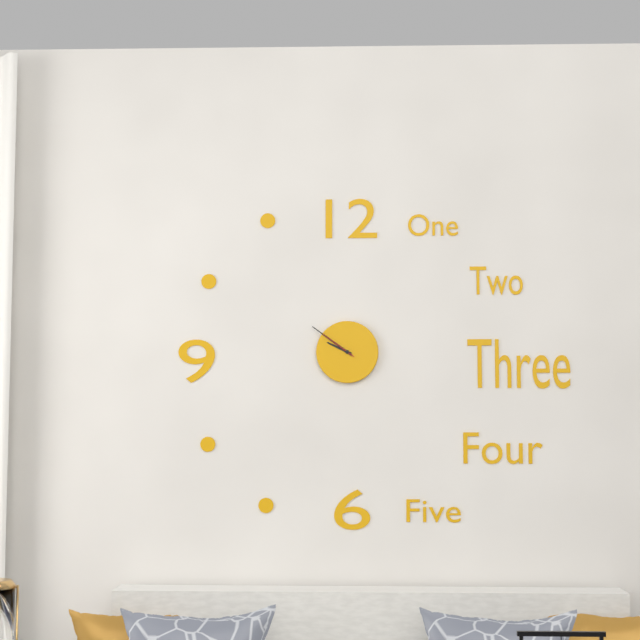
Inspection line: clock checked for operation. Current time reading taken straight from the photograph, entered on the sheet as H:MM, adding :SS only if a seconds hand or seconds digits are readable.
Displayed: 9:51
